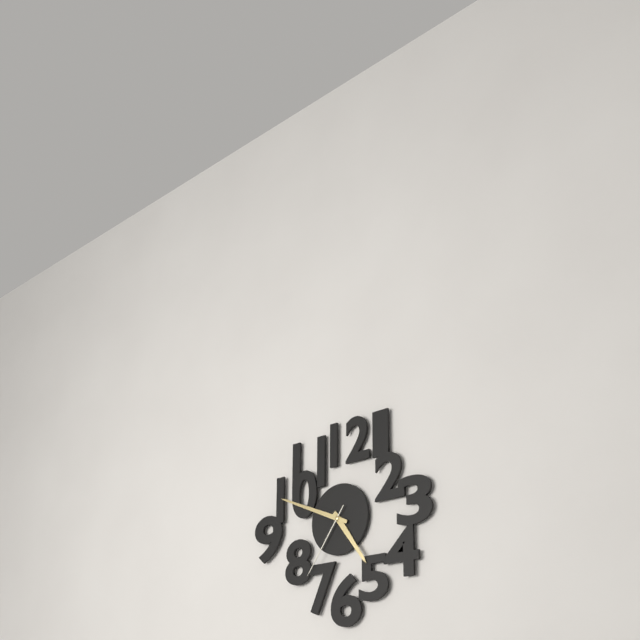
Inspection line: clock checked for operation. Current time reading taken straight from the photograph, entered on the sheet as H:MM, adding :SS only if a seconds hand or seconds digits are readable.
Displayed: 4:49:36
